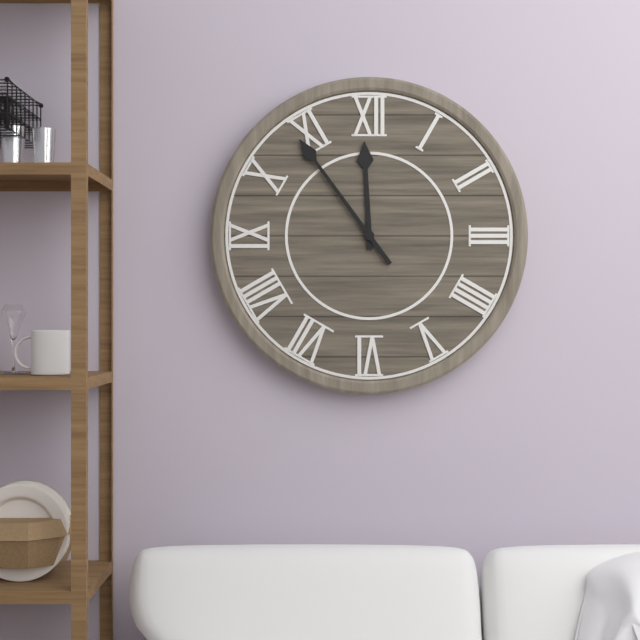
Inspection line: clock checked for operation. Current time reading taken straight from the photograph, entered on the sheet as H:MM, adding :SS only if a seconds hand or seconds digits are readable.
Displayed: 11:54
